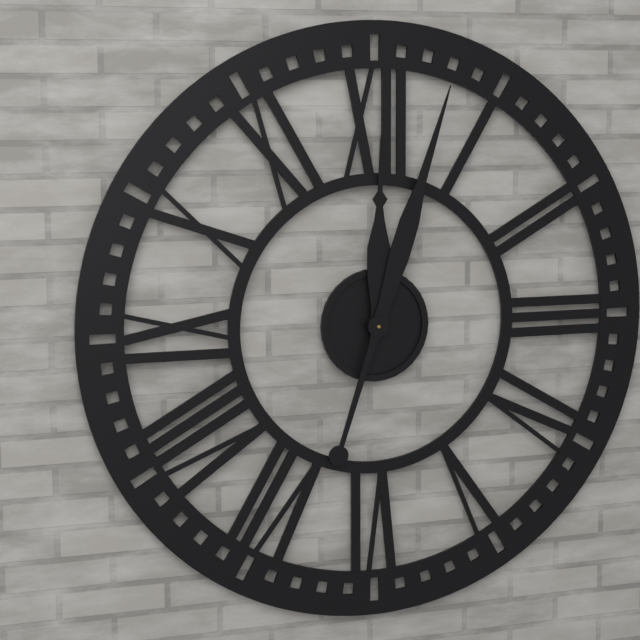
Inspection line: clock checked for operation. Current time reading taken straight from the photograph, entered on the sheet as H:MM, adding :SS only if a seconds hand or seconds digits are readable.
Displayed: 12:03
